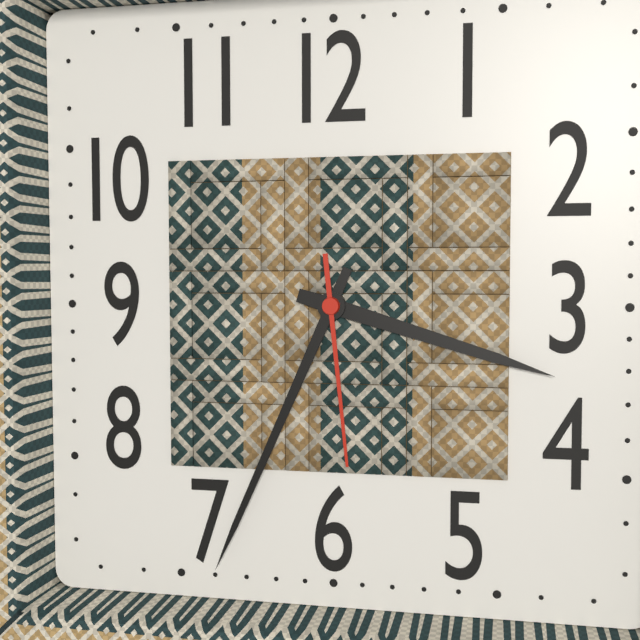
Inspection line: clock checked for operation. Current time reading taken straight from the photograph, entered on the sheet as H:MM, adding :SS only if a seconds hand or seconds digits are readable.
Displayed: 3:34:29
